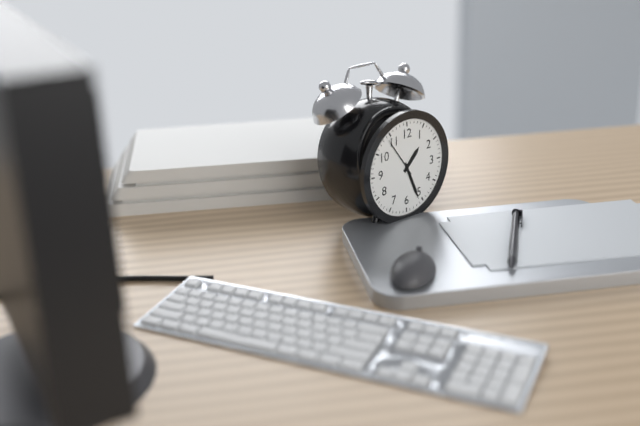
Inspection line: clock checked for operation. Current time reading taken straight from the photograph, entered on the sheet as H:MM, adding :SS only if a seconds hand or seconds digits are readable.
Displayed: 1:26
